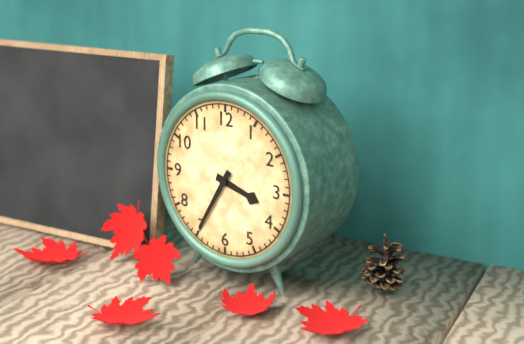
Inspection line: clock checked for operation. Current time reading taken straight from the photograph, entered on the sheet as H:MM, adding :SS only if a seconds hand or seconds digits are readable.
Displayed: 3:35
